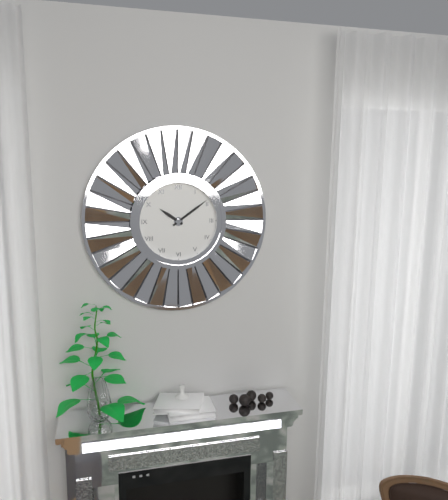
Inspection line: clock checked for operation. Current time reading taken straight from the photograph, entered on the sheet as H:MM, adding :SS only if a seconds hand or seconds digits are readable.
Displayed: 10:09
